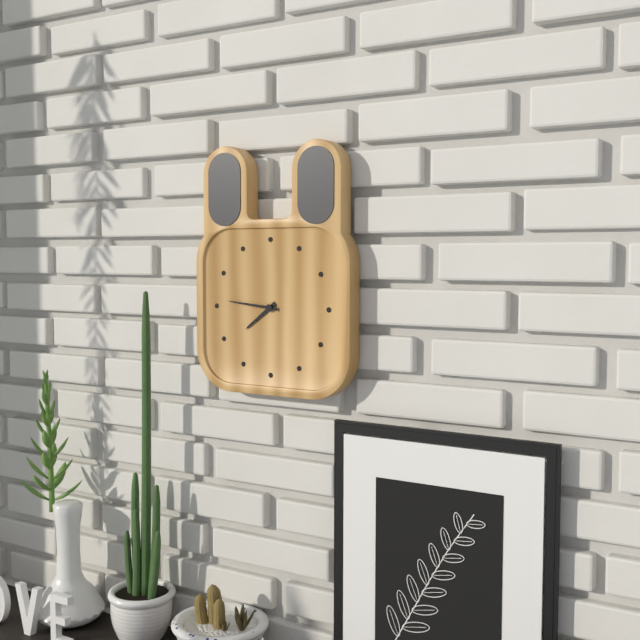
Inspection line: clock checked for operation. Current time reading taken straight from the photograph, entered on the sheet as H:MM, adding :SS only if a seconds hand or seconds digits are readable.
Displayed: 7:46
